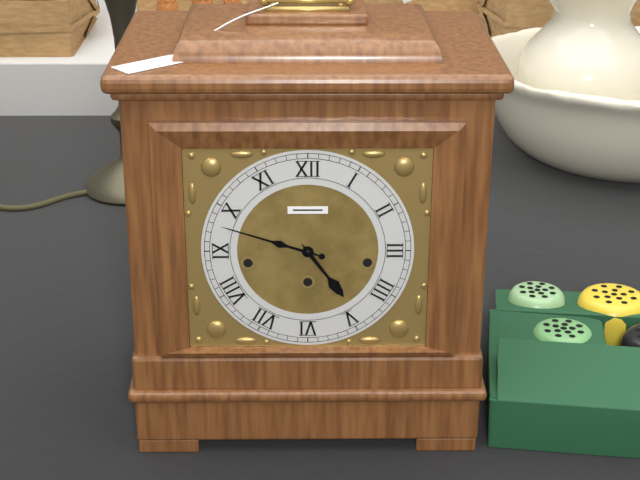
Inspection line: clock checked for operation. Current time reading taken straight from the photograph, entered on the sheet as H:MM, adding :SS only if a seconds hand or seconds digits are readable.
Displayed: 4:48
